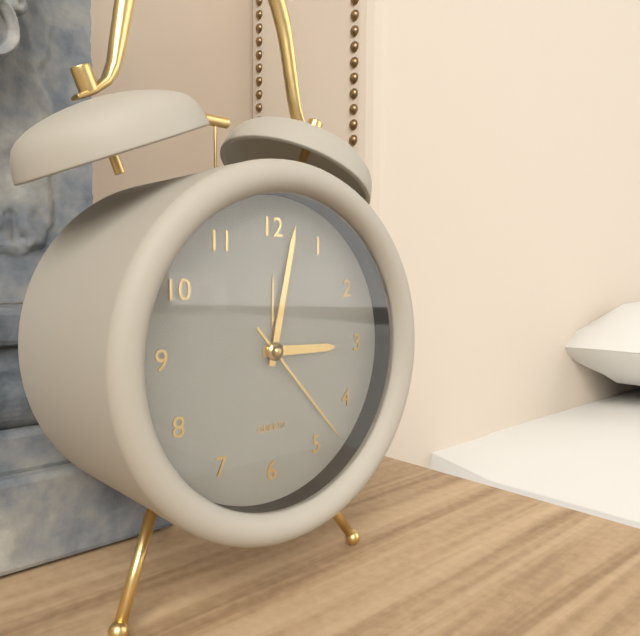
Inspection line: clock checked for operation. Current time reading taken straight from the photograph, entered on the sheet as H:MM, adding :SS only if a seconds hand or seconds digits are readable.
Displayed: 3:02:23
